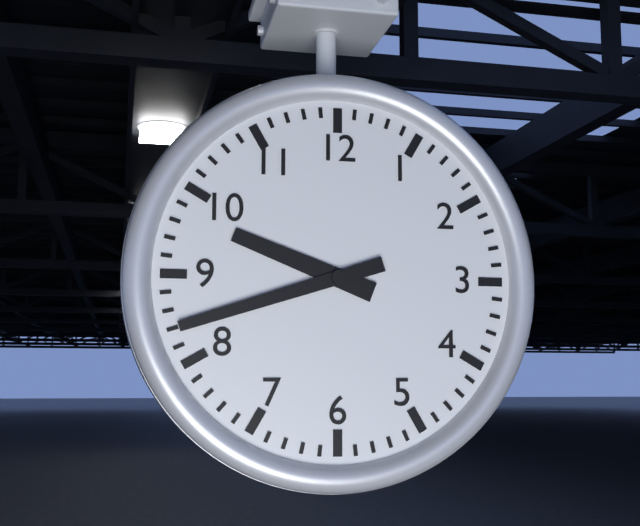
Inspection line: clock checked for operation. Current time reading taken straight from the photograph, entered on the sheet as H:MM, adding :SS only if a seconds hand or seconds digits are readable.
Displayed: 9:42
